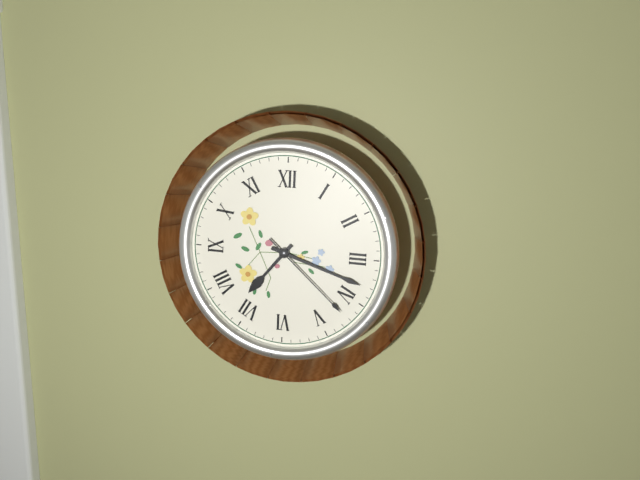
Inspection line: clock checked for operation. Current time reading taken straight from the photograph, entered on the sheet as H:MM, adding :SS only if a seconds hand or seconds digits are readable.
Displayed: 7:18:22
